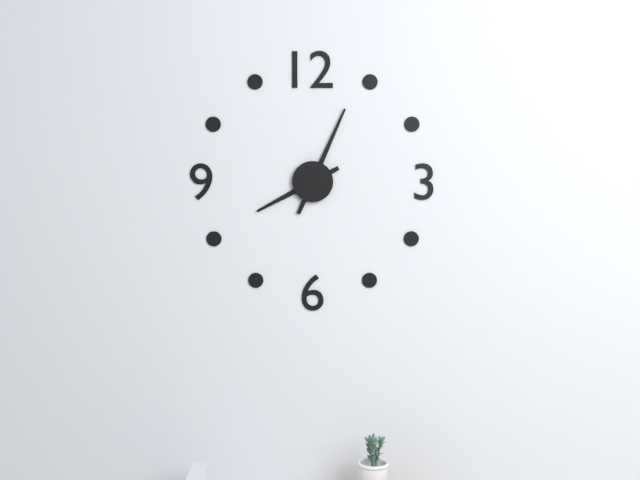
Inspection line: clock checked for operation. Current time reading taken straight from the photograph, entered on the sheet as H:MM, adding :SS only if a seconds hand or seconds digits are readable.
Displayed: 8:04
